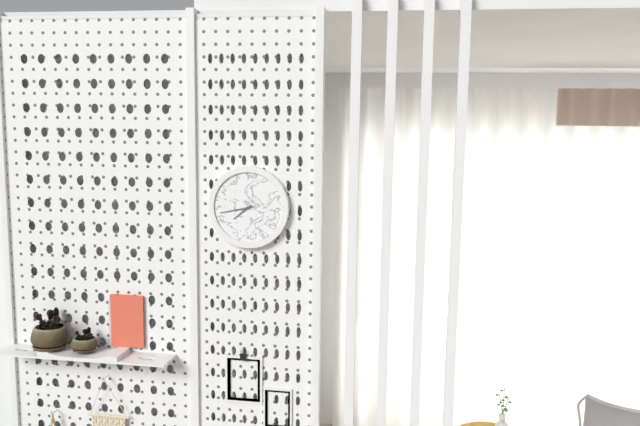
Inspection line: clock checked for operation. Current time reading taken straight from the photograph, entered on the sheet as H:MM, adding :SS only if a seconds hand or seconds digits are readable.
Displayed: 7:43
